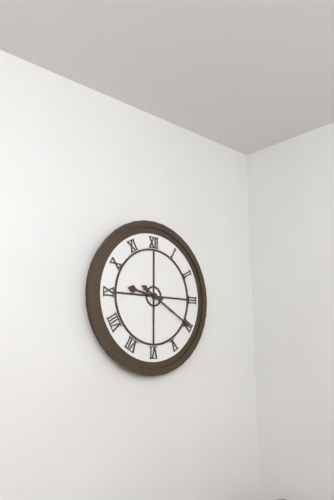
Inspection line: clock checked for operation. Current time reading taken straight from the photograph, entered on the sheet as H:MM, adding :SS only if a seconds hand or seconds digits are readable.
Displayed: 9:20
